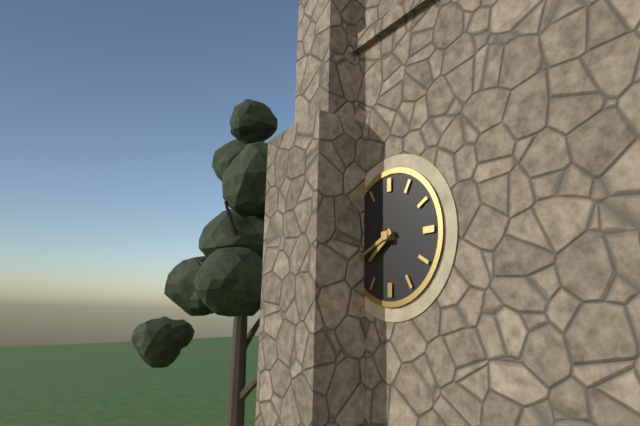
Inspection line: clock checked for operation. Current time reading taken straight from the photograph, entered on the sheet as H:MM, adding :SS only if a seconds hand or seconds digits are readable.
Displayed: 7:41
